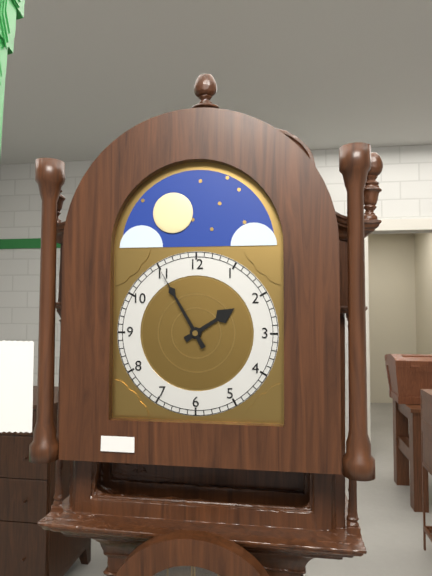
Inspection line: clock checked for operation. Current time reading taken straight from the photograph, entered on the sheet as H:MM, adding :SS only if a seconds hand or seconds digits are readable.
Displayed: 1:55
